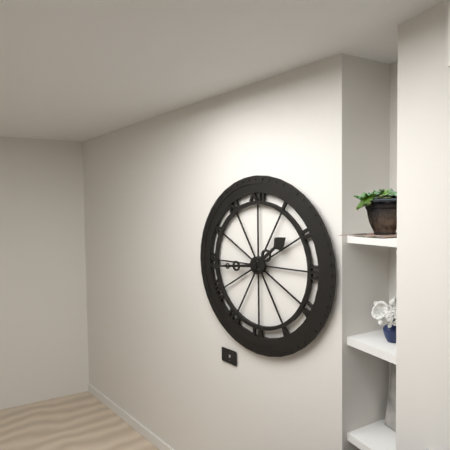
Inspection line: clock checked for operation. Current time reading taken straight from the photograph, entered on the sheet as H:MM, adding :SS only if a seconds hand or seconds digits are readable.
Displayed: 1:44
